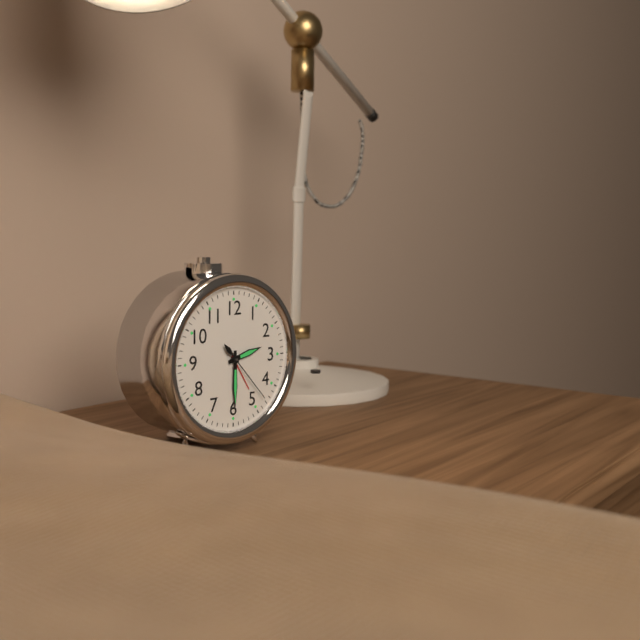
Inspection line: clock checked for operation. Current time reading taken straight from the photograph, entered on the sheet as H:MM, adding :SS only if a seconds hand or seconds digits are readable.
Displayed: 2:30:23
